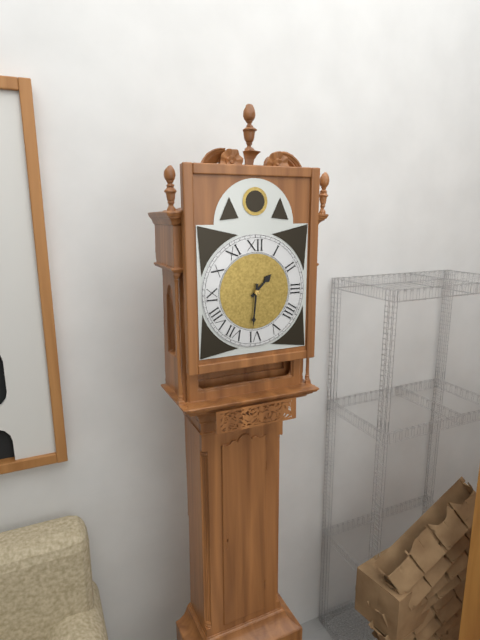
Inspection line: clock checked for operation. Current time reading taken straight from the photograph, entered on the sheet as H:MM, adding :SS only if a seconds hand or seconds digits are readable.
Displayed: 1:31
